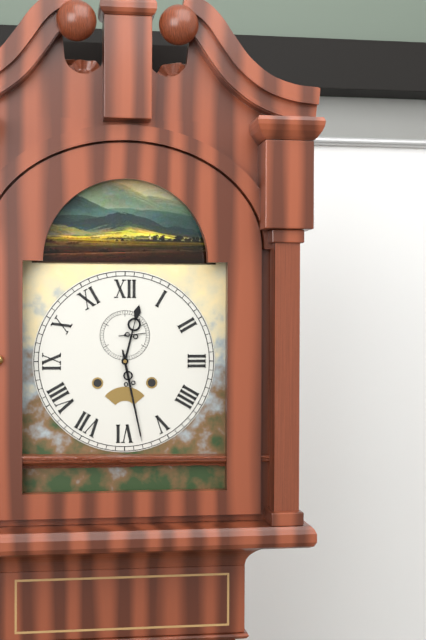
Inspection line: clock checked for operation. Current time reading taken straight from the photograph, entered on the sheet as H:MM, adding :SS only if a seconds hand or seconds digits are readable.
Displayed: 12:28
